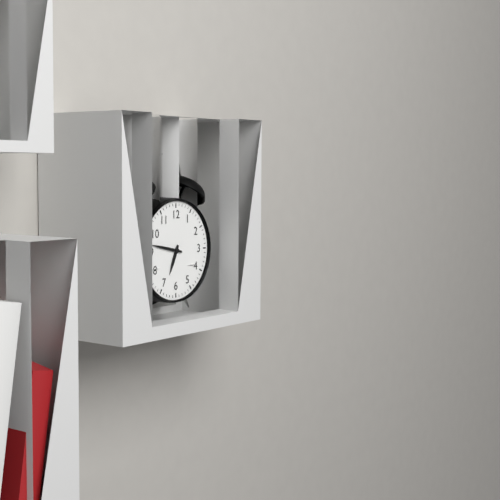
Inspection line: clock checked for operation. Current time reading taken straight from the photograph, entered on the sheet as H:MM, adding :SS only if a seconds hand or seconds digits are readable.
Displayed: 6:47
